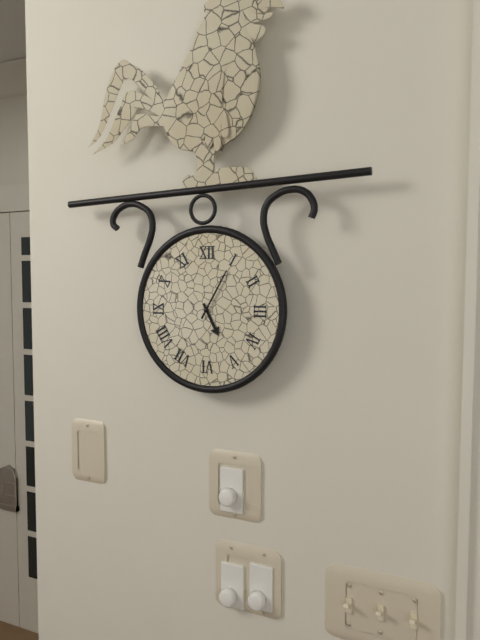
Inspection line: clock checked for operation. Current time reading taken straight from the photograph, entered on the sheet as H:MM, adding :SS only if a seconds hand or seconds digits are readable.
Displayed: 5:05
